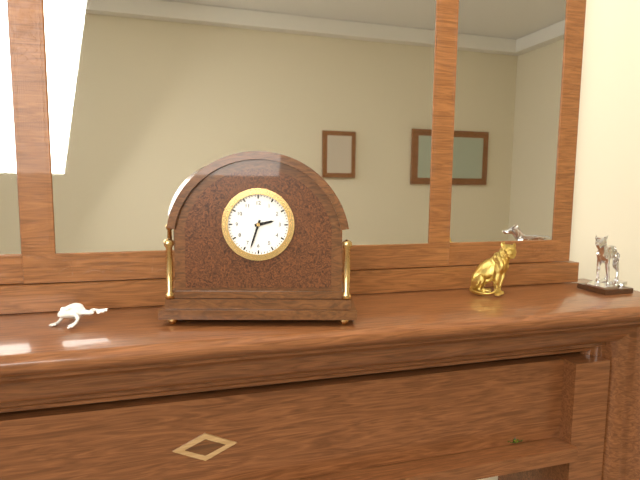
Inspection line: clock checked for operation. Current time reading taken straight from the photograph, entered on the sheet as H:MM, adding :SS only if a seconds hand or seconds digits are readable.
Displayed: 2:33
